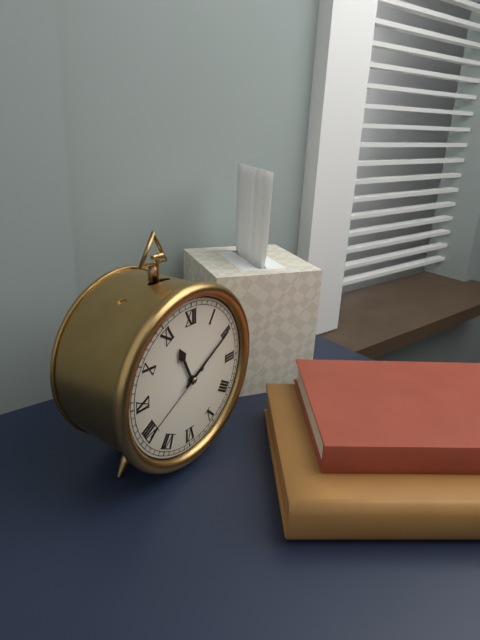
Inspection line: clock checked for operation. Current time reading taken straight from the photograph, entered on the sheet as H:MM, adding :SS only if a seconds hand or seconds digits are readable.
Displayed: 11:10:40
